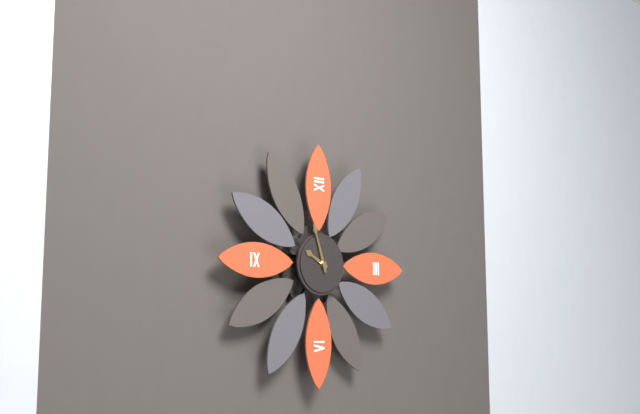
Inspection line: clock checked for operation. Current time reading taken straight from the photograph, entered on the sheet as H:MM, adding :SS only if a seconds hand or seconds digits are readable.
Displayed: 9:57
